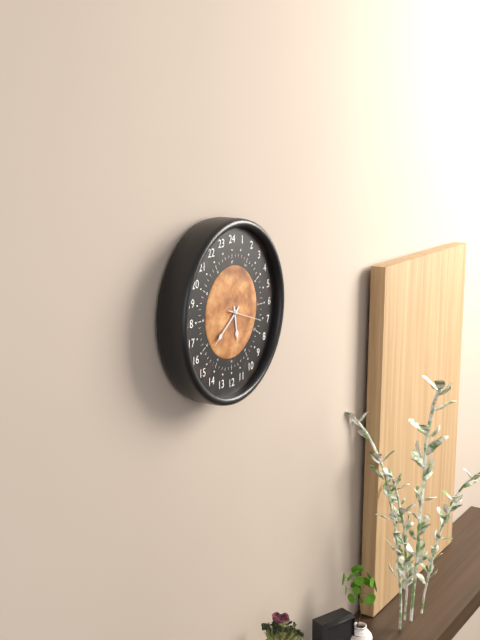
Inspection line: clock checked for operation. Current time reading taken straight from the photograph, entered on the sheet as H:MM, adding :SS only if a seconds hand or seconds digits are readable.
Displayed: 5:39:18
